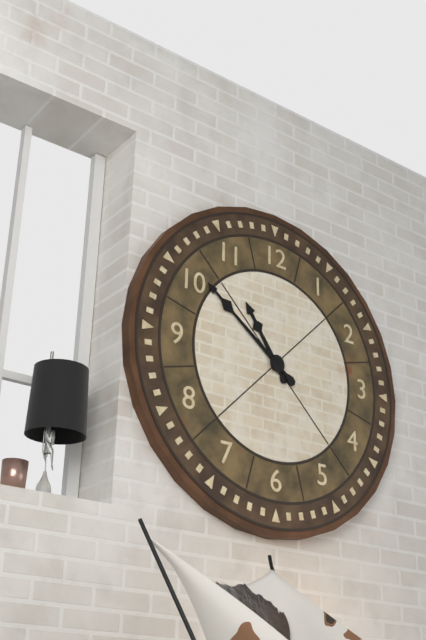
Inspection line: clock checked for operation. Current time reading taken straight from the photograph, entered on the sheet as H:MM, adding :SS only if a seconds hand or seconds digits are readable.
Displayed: 10:51
